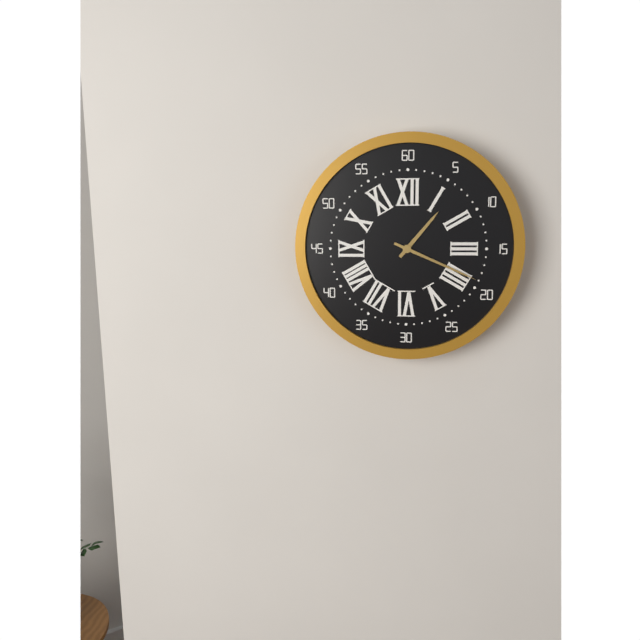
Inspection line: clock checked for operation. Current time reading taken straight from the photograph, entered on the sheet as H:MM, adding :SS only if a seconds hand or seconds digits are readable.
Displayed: 1:19
